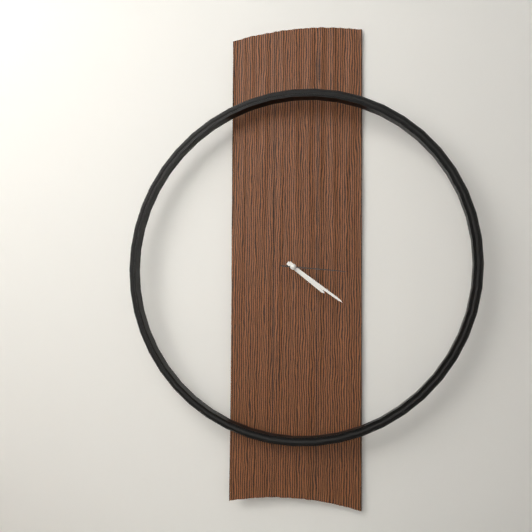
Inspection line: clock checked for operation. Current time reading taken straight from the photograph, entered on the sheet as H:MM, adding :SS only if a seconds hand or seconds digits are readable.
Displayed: 4:21:16
